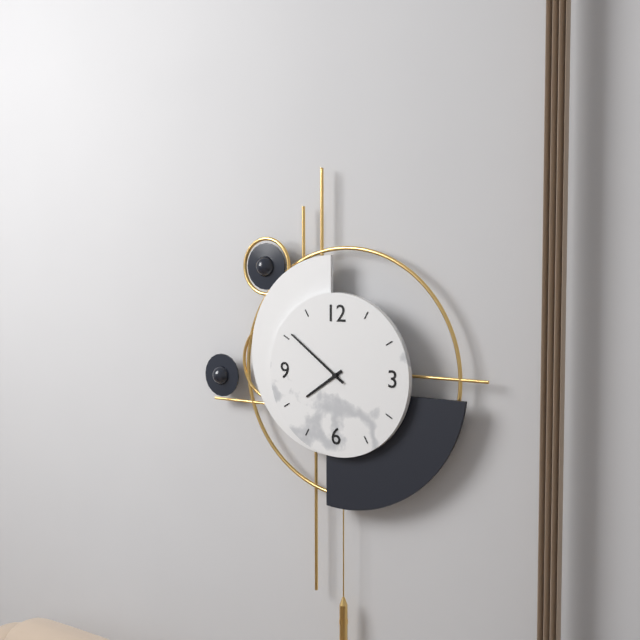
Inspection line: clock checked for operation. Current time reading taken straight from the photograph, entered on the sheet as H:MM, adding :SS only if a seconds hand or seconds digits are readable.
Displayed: 7:51
